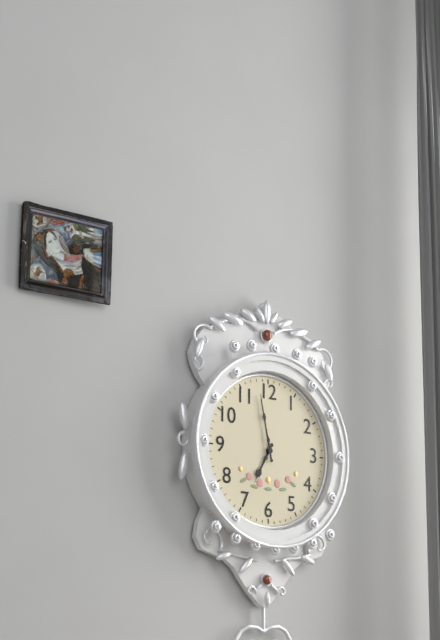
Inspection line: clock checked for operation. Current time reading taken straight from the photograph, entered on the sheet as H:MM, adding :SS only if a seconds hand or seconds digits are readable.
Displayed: 6:58
